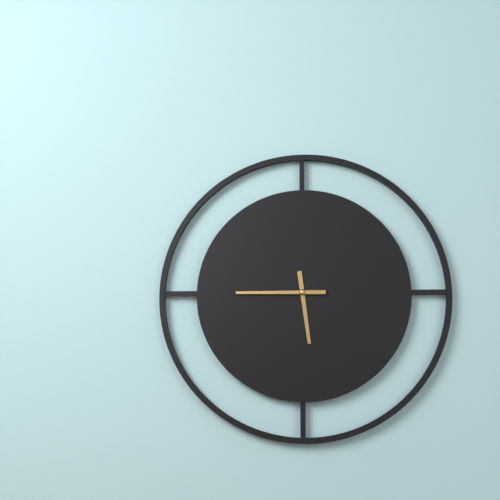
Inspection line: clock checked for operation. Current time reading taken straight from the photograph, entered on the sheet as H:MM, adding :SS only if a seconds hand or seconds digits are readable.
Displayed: 5:45
